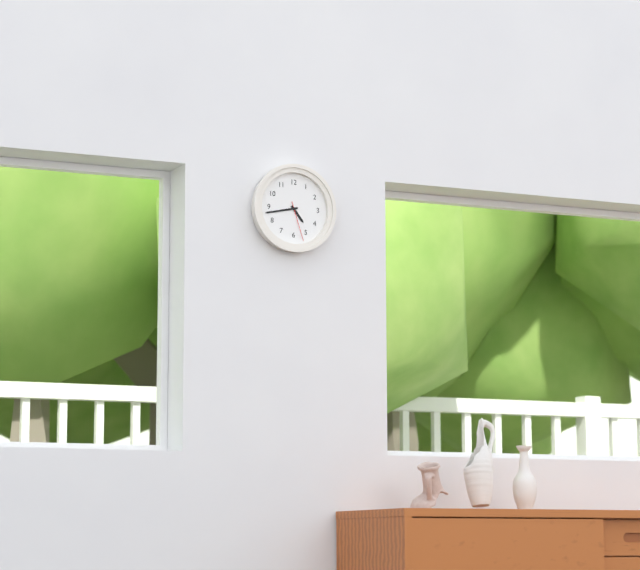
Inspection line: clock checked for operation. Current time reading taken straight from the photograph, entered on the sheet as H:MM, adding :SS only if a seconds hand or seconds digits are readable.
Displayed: 4:43
